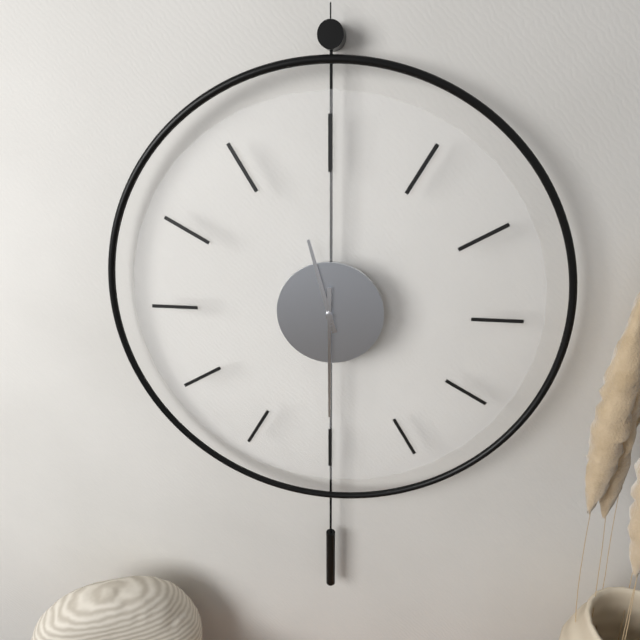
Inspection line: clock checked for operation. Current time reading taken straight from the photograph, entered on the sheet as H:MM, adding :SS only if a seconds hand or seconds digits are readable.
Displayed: 11:30
